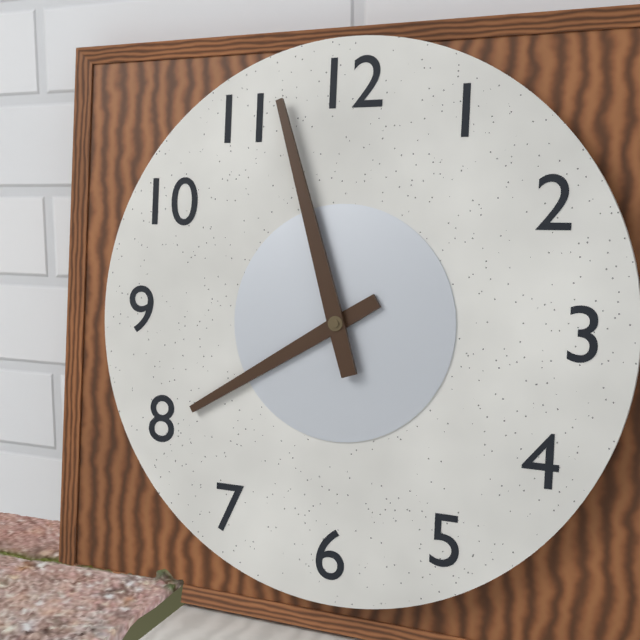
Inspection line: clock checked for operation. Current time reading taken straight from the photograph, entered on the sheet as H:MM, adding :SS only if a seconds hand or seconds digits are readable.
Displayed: 7:57
